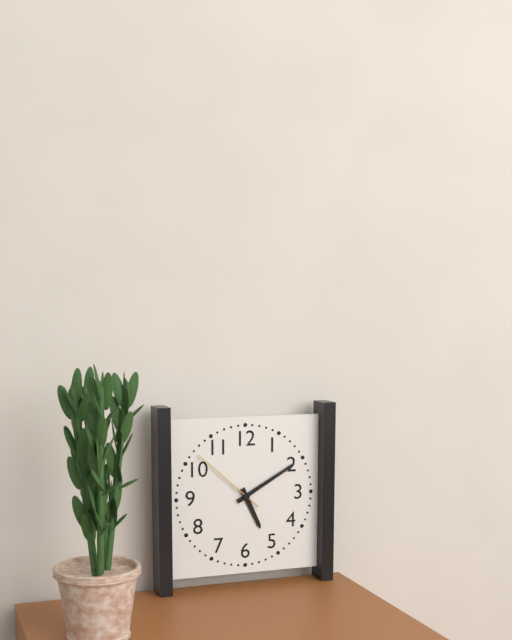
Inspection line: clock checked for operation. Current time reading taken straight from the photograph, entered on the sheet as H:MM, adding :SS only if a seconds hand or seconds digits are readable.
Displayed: 5:10:52
